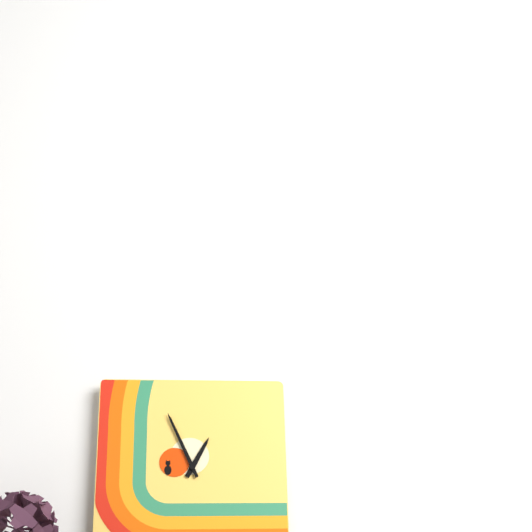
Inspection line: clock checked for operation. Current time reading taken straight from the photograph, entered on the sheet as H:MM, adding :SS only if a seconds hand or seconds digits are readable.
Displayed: 12:56
